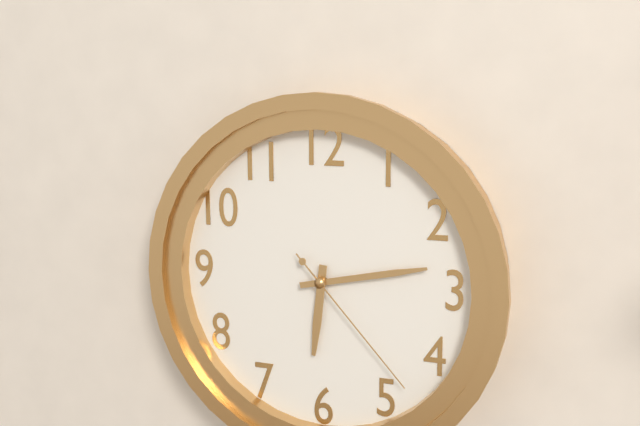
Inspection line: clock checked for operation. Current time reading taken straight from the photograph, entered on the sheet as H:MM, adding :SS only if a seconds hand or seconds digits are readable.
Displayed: 6:13:23
